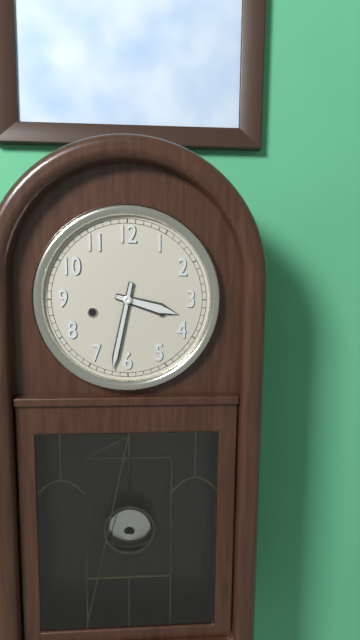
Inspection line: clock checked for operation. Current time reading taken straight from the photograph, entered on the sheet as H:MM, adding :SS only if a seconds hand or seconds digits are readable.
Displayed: 3:32
